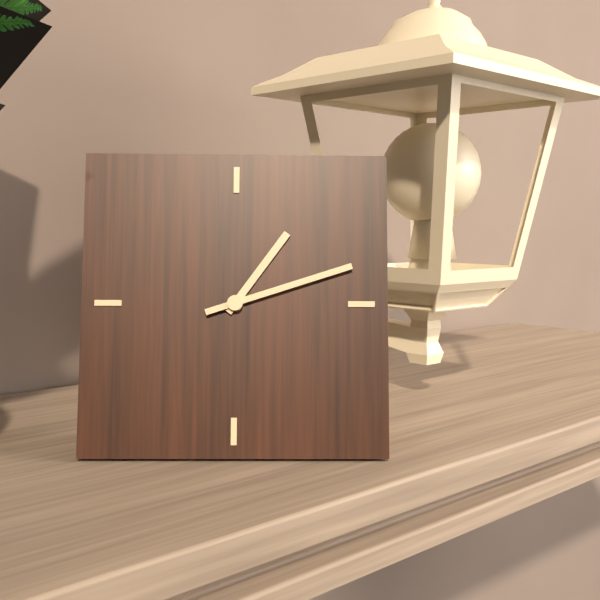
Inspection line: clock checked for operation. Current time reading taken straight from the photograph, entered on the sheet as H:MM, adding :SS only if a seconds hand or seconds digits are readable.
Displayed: 1:12
